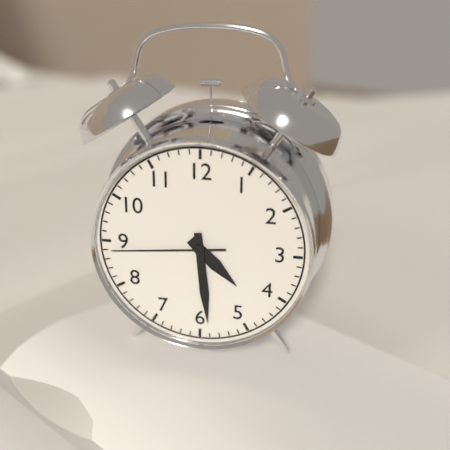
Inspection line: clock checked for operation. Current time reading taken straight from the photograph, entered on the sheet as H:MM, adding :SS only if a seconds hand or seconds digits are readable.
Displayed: 4:29:44
